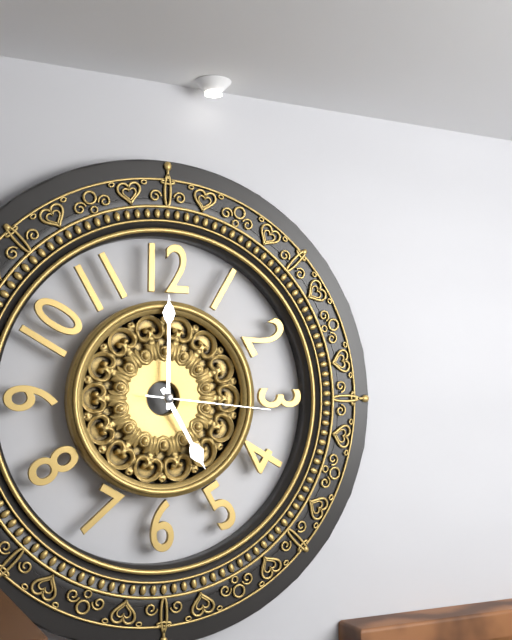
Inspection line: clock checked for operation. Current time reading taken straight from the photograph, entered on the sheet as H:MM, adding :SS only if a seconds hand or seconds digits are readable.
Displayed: 5:00:16
